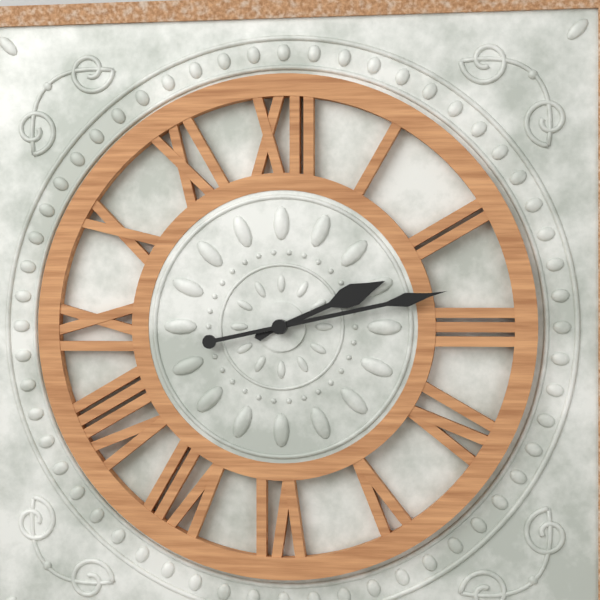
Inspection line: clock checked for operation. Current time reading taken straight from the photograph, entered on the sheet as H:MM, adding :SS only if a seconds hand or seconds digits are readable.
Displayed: 2:13
